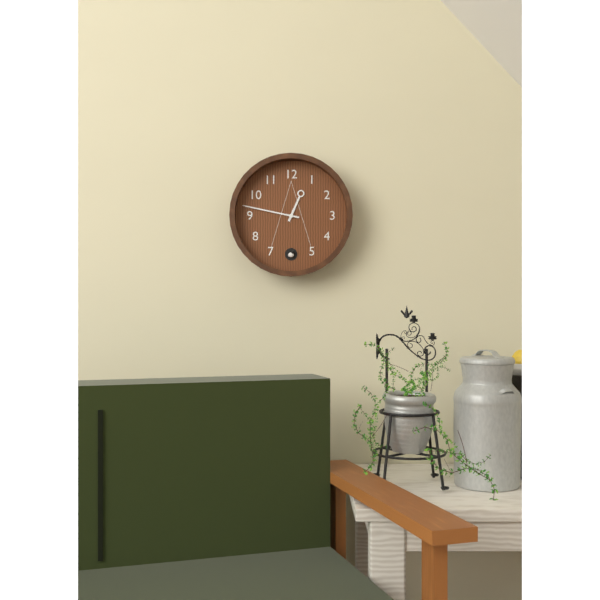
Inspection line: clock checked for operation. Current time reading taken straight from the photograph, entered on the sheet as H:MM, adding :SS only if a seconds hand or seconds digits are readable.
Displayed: 12:47
